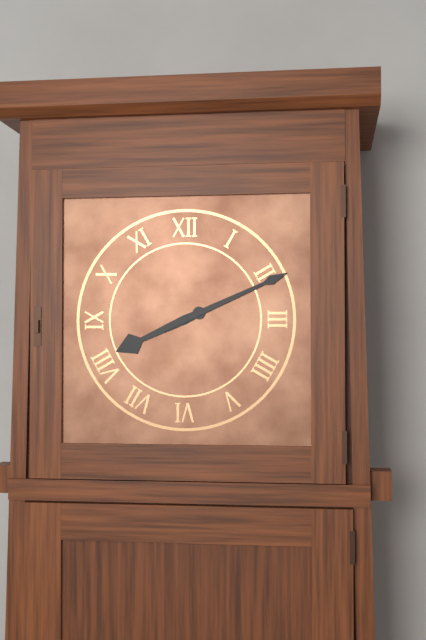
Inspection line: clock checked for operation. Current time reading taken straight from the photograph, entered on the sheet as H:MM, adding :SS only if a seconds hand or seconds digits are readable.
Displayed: 8:11
